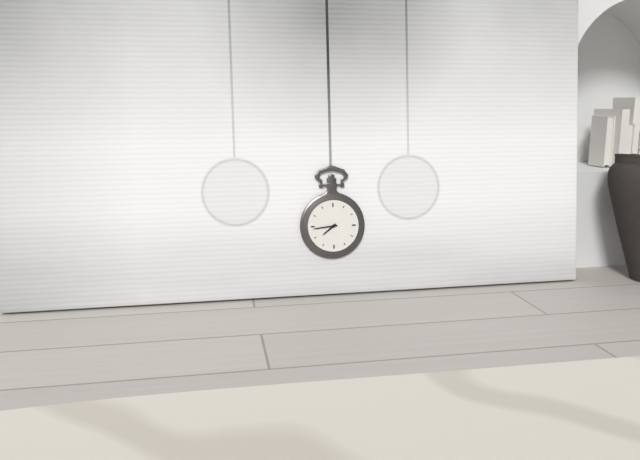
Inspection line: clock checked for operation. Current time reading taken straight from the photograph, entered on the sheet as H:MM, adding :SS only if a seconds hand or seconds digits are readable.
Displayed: 7:44
